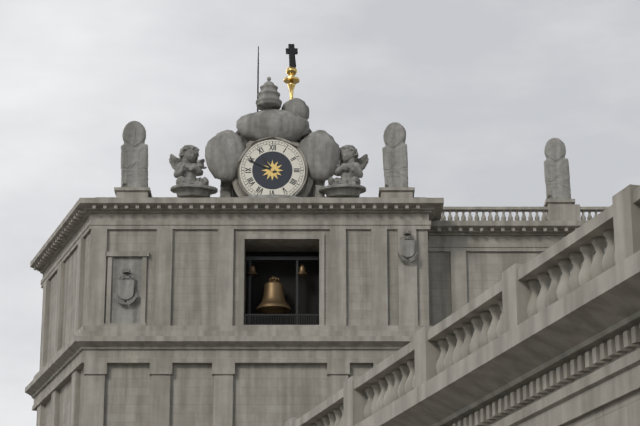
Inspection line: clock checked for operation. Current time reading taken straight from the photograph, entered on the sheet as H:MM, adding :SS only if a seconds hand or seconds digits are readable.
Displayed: 10:49
